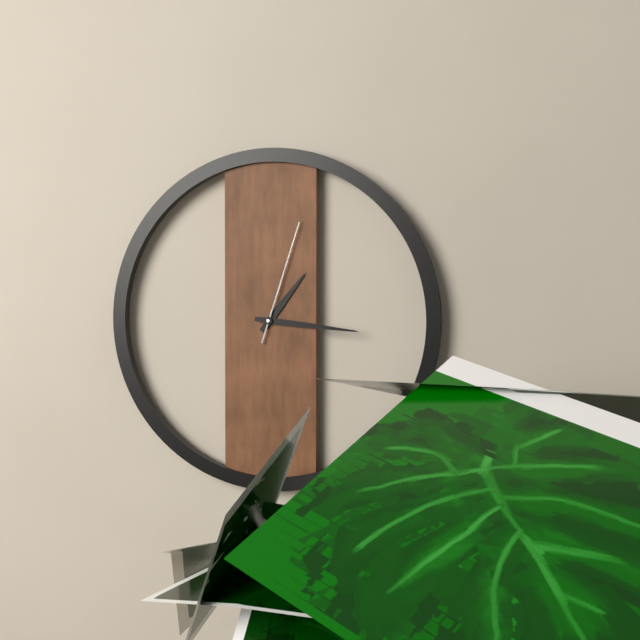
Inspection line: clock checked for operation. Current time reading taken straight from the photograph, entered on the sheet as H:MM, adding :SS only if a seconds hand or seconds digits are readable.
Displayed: 1:16:03
